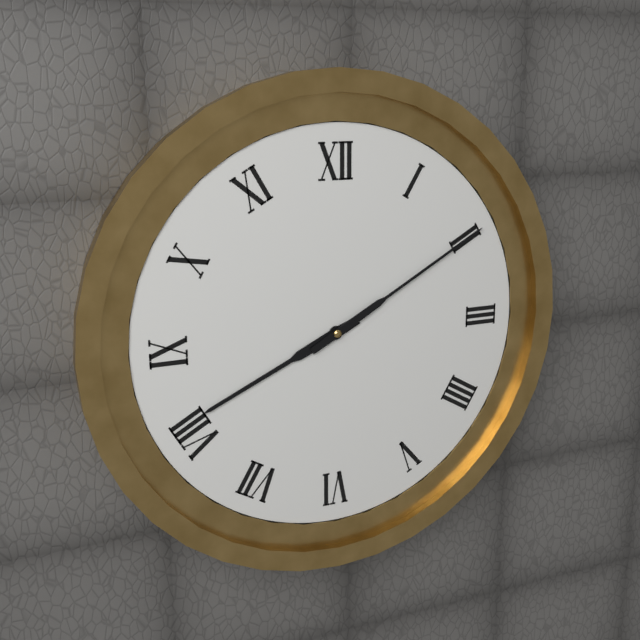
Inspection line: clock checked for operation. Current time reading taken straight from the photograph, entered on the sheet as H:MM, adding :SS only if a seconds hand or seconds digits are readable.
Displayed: 8:10
